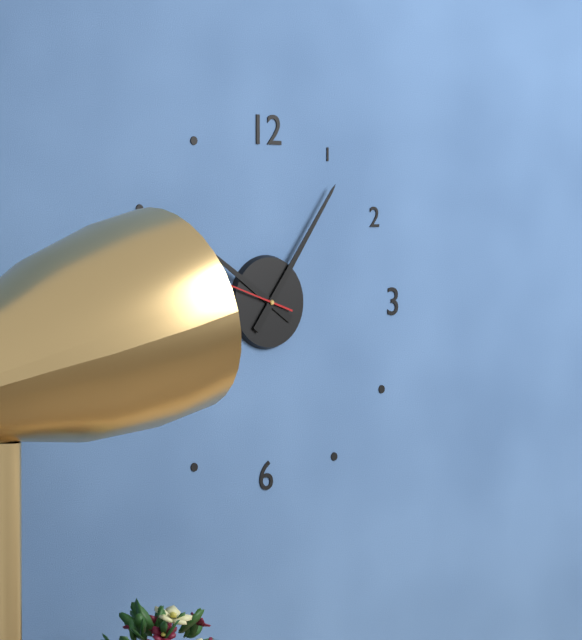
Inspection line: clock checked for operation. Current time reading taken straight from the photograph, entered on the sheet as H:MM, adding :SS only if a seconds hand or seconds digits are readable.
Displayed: 10:06
